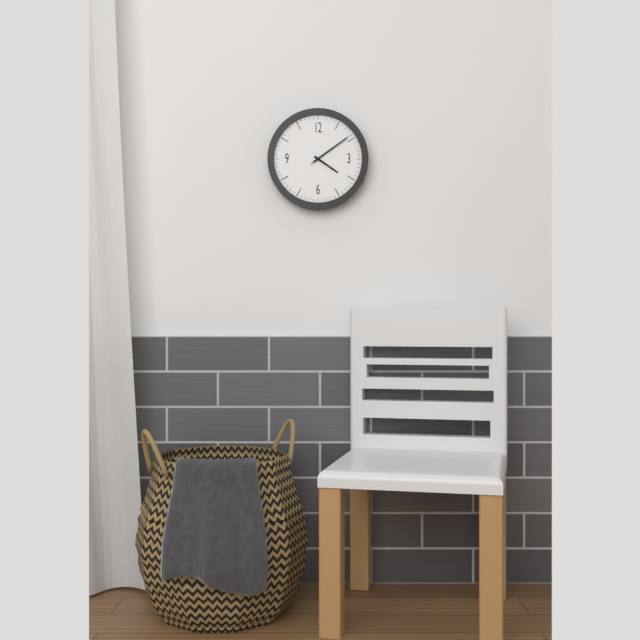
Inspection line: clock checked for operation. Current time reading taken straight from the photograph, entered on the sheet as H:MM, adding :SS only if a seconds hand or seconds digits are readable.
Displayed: 4:09
